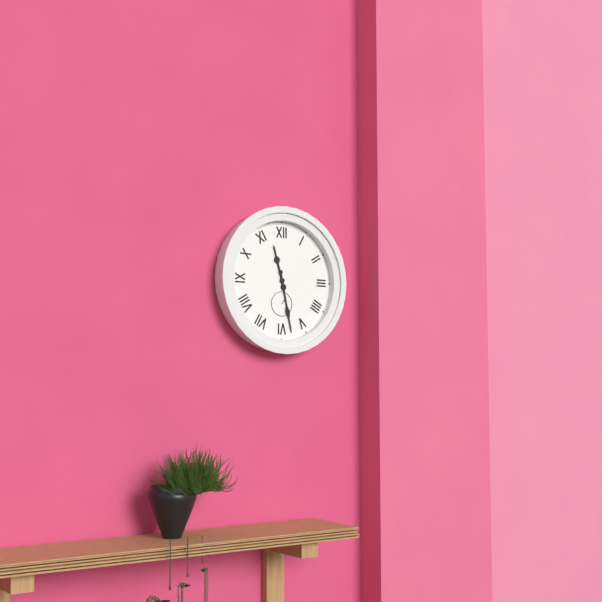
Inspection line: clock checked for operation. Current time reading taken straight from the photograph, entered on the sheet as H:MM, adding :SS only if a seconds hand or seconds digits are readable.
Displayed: 11:28
